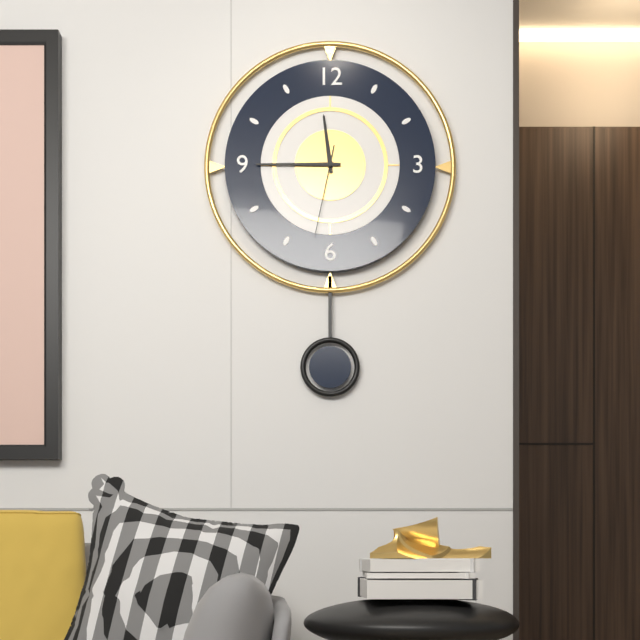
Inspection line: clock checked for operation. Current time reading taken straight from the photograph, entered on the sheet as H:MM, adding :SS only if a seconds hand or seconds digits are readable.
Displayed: 11:45:32
